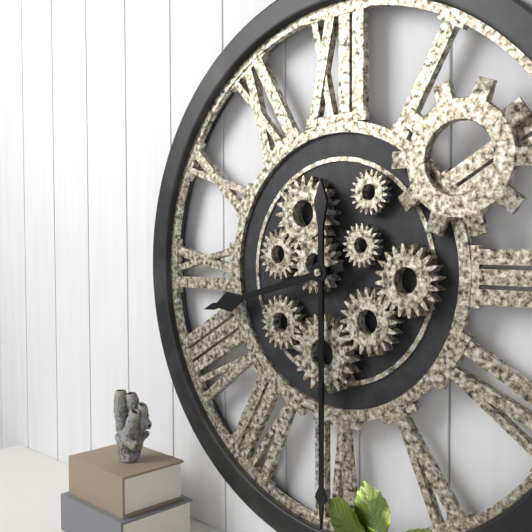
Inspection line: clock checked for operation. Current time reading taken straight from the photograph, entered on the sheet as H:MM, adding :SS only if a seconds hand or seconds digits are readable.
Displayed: 8:30
